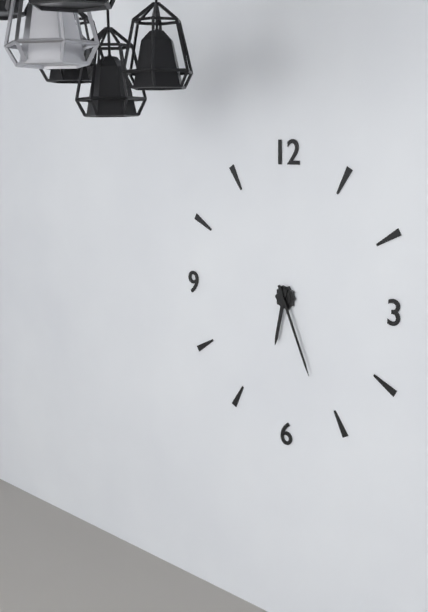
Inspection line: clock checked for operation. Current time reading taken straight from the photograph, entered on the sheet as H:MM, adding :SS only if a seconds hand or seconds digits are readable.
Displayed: 6:26
